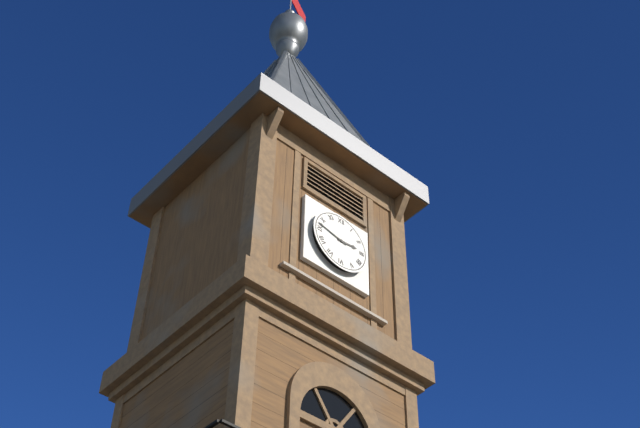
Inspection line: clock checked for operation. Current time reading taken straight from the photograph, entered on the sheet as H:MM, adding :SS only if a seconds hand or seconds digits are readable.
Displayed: 2:47
